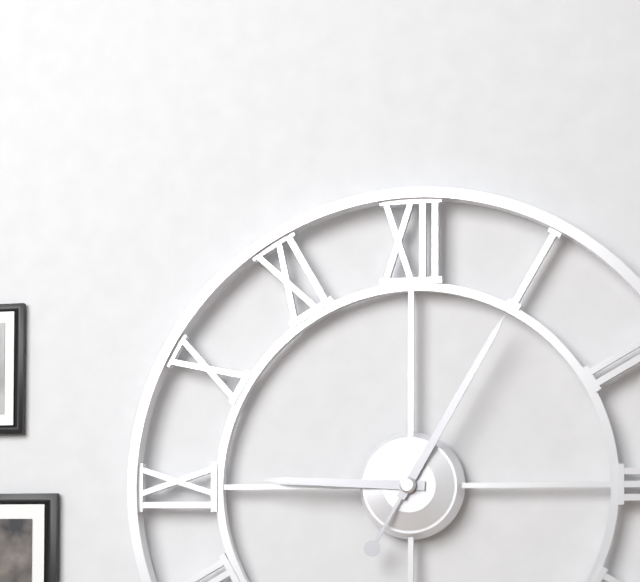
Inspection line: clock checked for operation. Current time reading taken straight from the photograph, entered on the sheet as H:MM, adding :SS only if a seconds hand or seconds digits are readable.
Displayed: 9:05
